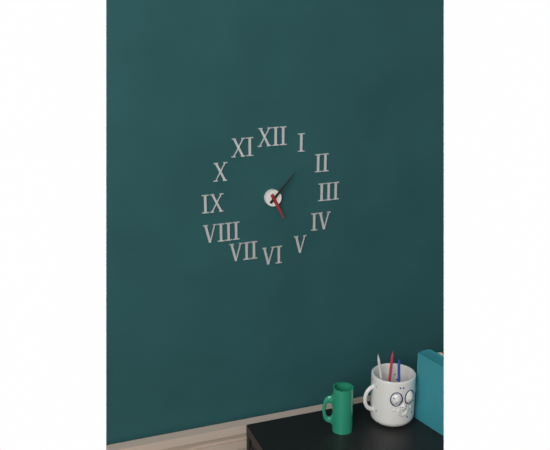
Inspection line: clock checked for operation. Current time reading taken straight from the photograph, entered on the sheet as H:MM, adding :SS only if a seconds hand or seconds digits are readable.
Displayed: 5:07
